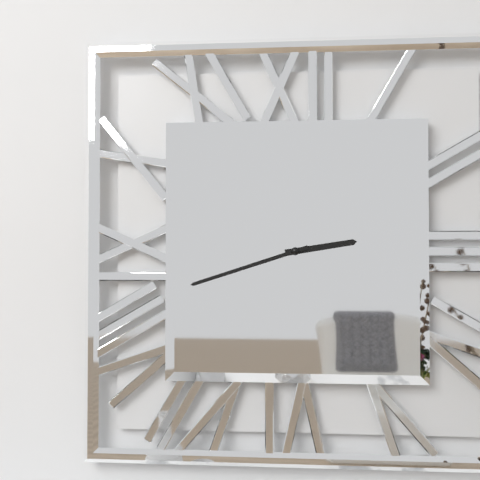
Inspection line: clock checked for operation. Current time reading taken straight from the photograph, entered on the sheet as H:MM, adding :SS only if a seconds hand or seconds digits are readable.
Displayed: 2:42
